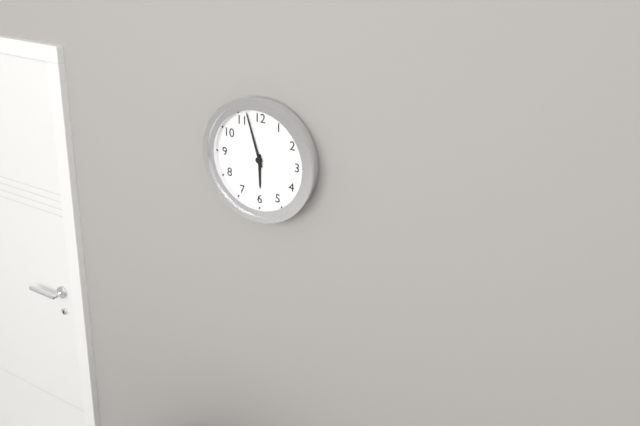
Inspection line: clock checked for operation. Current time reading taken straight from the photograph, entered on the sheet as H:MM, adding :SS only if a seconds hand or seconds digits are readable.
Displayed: 5:57
